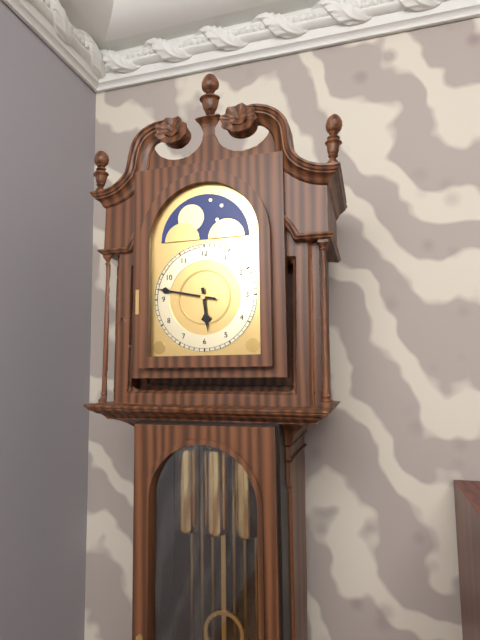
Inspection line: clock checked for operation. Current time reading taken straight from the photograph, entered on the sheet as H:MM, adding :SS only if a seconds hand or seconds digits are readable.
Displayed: 5:47
